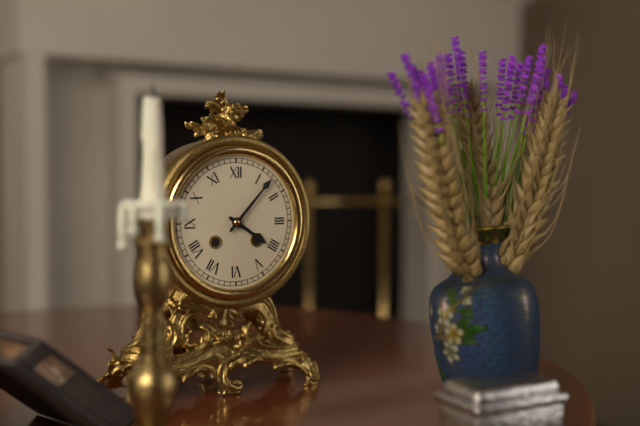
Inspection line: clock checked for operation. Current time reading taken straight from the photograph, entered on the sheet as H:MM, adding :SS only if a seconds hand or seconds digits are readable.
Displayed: 4:07
